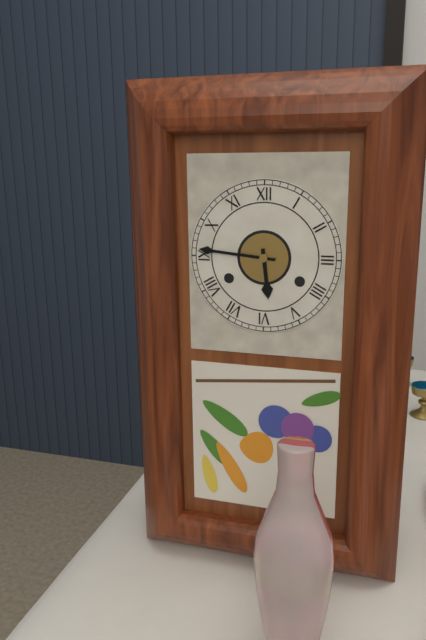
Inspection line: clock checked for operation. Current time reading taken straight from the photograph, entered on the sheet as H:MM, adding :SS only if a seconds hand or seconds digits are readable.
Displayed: 5:46
